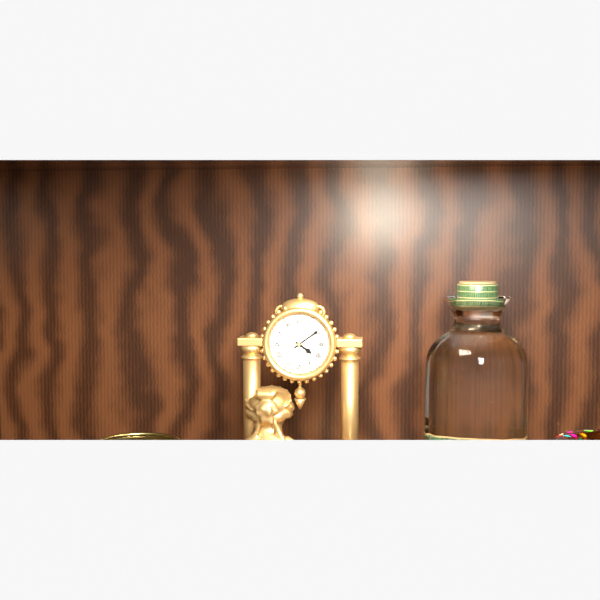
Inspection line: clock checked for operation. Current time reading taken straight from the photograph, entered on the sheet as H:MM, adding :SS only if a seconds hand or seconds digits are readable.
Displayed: 4:09
